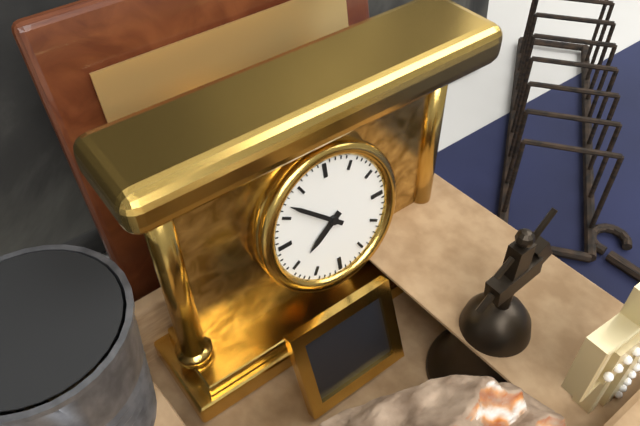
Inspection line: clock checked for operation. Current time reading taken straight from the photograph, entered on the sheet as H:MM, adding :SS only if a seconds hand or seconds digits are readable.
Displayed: 7:52
